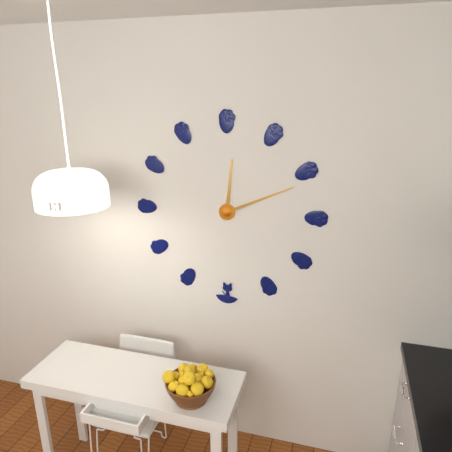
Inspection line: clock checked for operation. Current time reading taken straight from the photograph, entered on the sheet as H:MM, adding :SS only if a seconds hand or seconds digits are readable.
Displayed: 12:11
